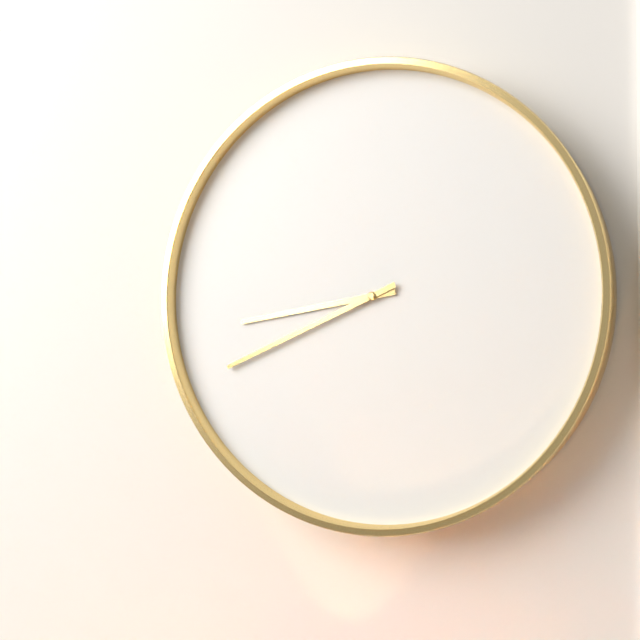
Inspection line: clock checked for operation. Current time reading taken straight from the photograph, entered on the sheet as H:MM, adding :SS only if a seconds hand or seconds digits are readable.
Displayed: 8:41
